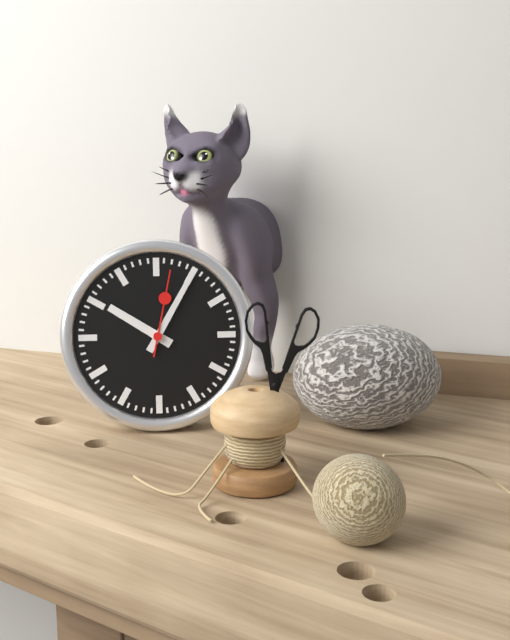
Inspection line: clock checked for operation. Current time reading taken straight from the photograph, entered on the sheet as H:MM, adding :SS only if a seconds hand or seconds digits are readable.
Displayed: 10:05:02
